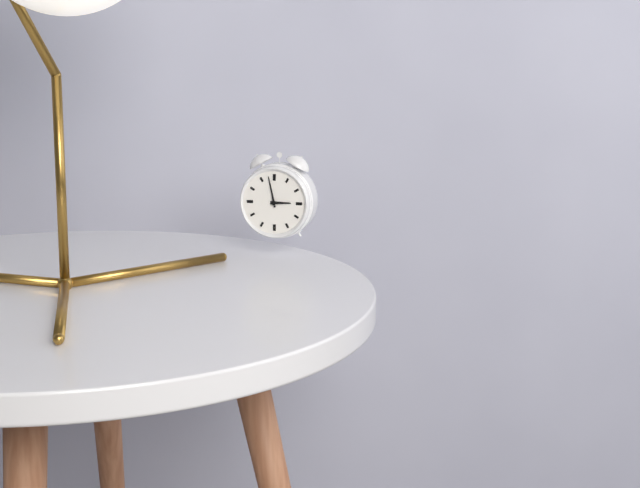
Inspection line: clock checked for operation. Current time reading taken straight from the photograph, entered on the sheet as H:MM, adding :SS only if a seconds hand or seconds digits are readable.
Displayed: 2:58
